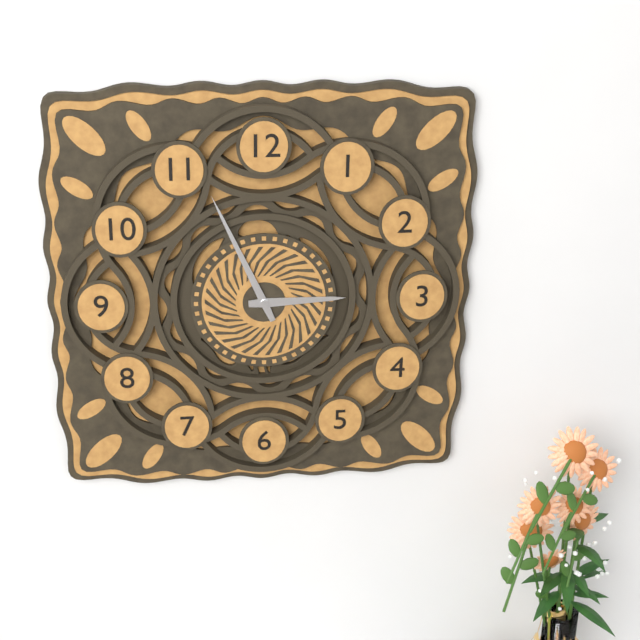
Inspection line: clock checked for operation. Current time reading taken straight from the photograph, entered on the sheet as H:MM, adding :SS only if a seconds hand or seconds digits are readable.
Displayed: 2:56
